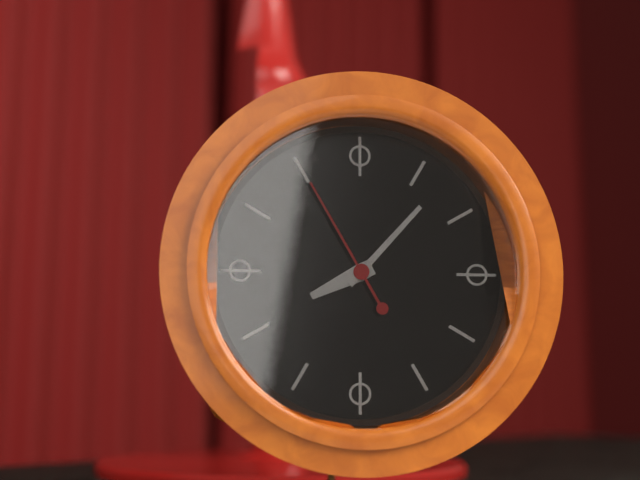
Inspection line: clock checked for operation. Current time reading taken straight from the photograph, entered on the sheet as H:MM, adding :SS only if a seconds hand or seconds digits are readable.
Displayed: 8:07:55
